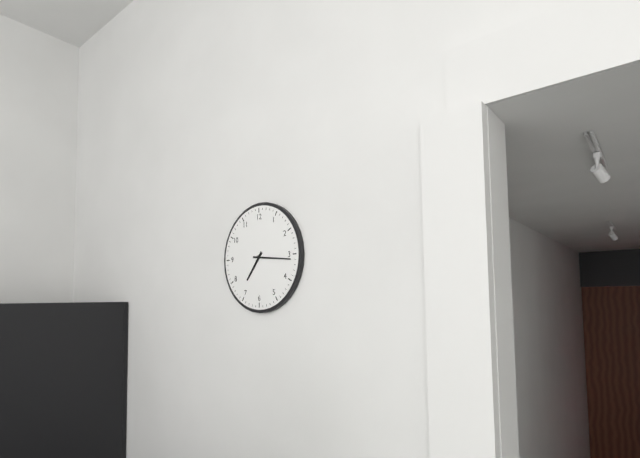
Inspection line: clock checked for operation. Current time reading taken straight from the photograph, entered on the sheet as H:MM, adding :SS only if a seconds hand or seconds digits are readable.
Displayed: 7:16
